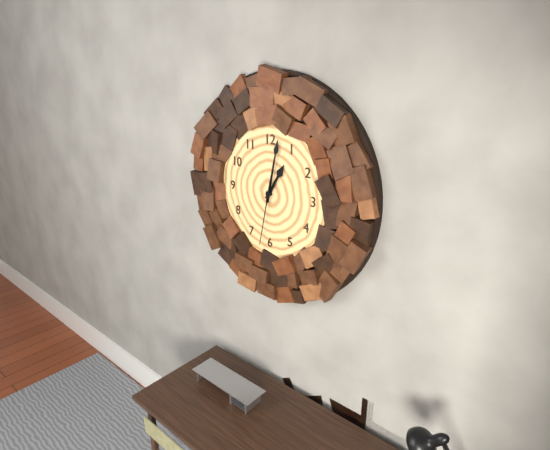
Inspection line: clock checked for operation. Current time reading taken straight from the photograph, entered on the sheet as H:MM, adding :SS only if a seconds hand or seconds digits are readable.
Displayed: 1:02:32
